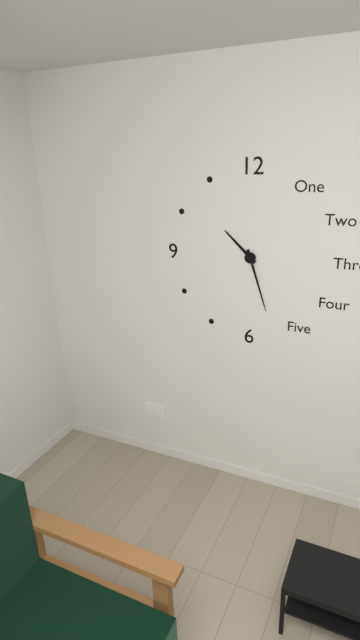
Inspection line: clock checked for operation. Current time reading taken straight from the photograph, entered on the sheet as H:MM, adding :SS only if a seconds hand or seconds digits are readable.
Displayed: 10:27
